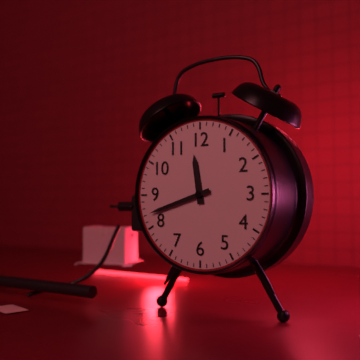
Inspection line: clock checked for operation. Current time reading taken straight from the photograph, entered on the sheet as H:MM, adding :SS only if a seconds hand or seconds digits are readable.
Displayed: 11:42
